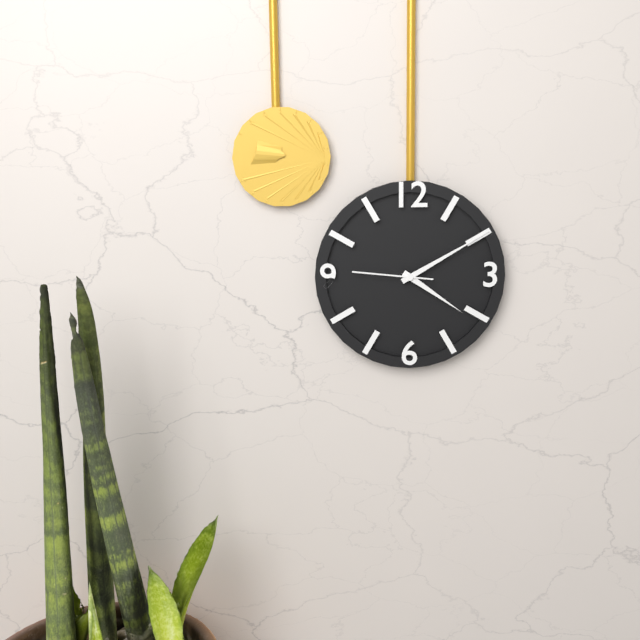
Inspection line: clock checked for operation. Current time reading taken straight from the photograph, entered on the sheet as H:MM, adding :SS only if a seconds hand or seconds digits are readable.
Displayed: 4:10:46
